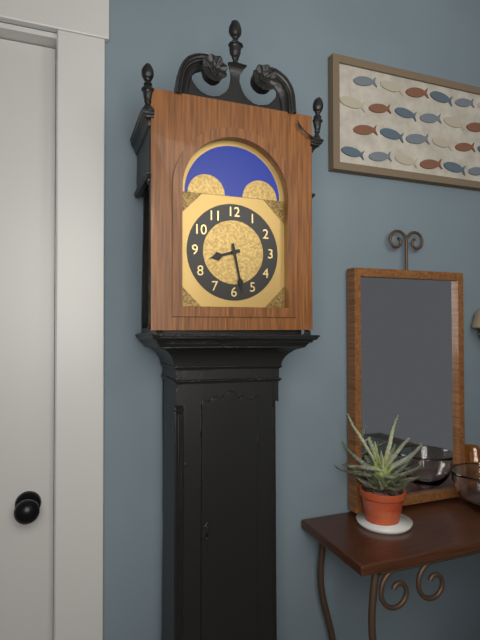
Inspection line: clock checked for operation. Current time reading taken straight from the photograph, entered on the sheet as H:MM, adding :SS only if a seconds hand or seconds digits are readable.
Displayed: 8:28
